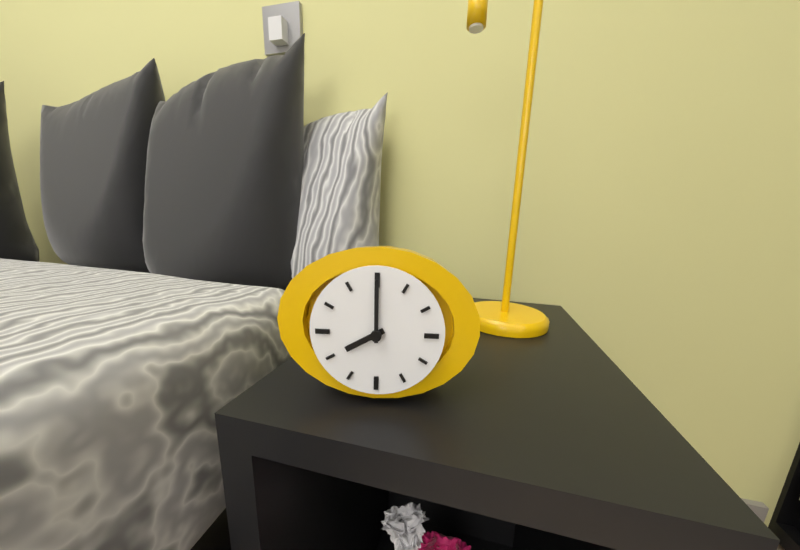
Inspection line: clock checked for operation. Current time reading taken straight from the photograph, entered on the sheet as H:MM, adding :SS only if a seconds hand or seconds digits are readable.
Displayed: 8:00
